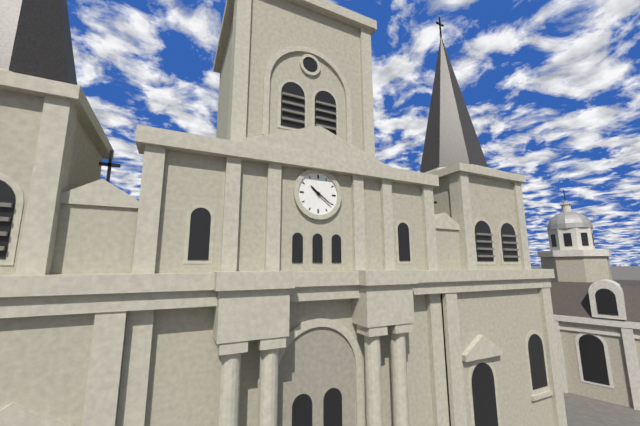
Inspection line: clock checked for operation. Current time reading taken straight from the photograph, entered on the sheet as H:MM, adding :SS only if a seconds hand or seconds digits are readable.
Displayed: 10:21
